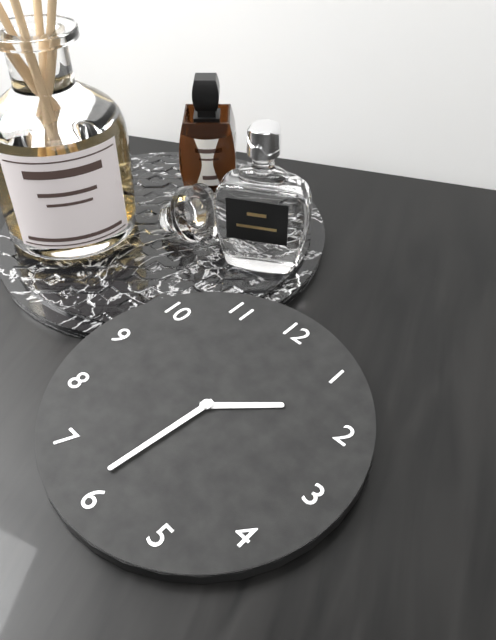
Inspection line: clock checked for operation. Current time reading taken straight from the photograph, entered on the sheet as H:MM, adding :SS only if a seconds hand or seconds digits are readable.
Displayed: 1:31
